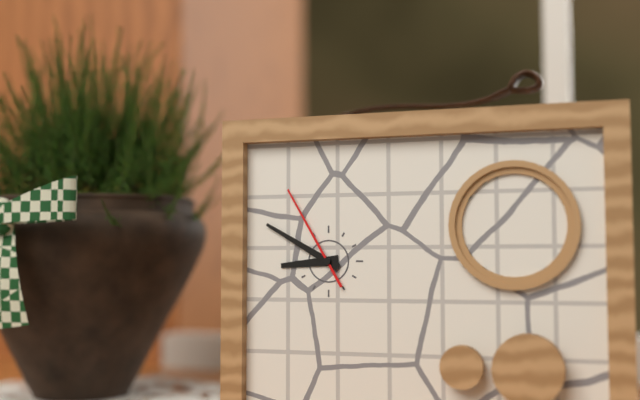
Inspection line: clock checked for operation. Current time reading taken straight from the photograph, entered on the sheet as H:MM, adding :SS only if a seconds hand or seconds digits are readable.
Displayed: 8:50:55
